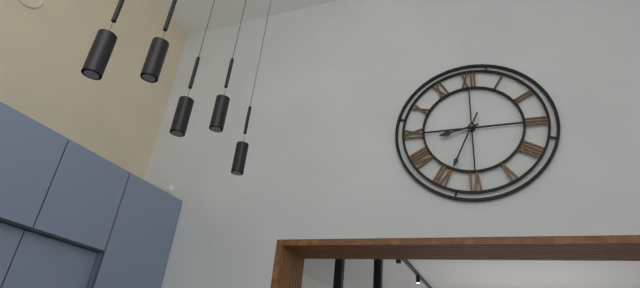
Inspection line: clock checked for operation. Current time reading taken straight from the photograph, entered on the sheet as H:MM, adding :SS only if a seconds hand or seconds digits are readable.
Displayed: 8:34
